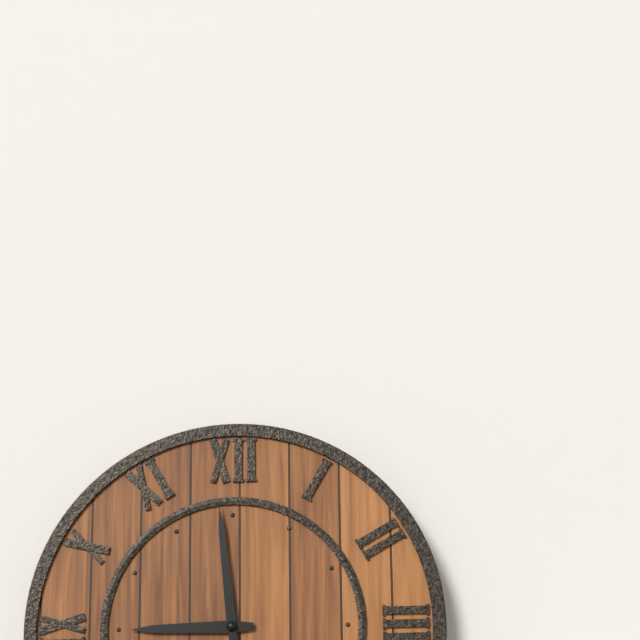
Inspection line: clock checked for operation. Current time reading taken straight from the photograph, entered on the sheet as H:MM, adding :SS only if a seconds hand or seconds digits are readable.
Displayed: 8:59
